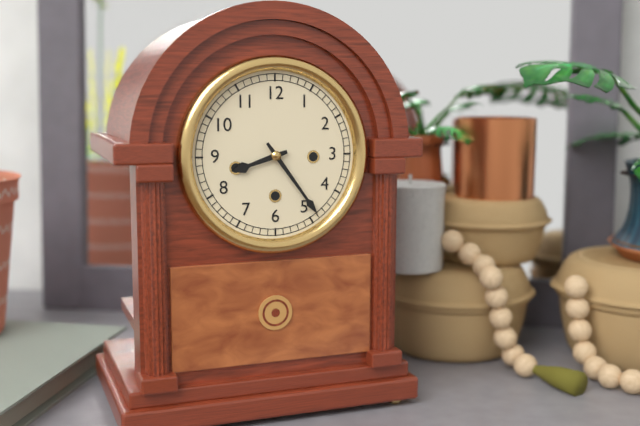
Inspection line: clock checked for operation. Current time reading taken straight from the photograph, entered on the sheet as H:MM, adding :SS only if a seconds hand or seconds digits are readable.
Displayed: 8:24
